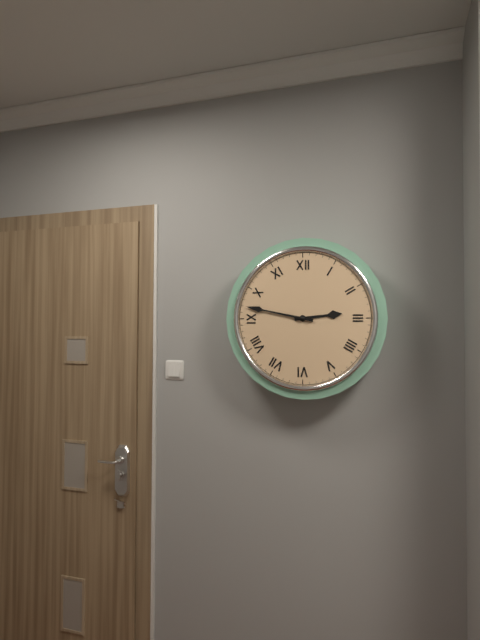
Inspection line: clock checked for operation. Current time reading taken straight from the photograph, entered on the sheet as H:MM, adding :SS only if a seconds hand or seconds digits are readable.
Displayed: 2:47
